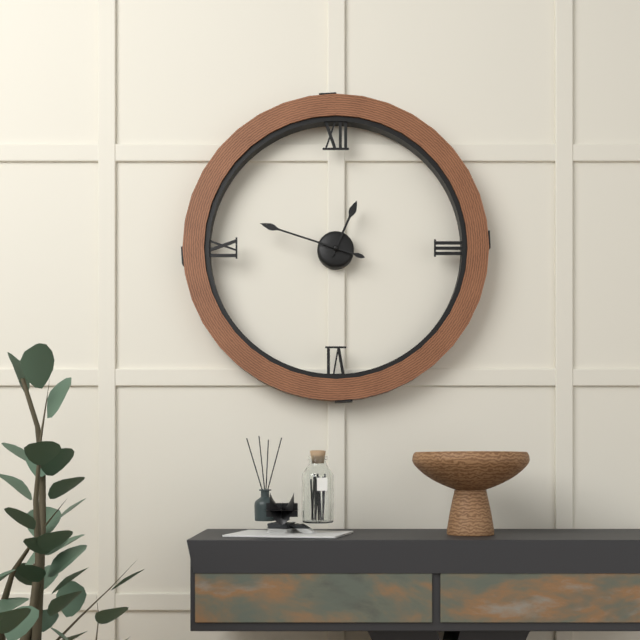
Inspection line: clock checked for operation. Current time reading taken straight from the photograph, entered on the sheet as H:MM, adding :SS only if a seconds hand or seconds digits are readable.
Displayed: 12:48
